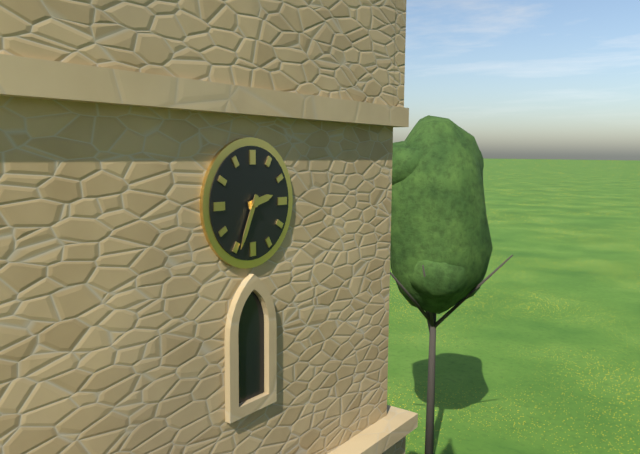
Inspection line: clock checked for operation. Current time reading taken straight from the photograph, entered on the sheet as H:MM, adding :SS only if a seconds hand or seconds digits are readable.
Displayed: 2:34
